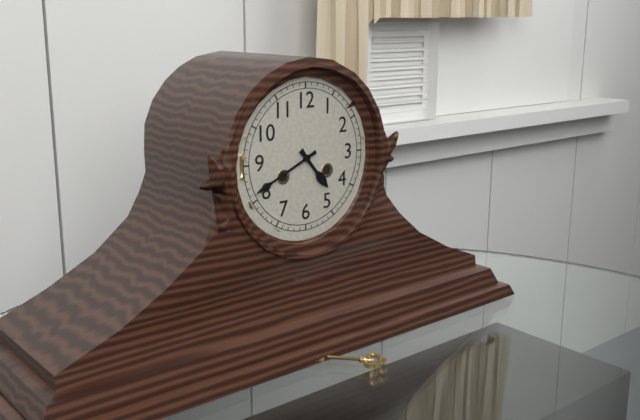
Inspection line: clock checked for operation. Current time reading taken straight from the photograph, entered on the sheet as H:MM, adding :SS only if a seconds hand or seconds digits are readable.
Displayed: 4:41
